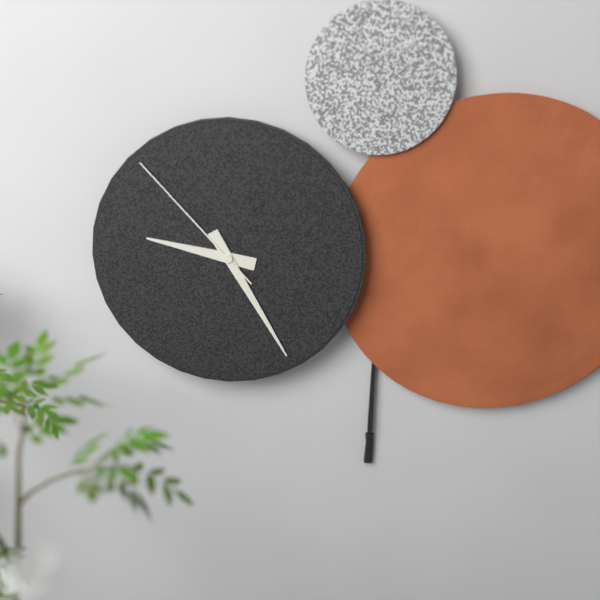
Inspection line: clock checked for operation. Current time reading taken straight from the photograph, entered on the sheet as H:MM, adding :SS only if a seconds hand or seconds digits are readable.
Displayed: 9:25:53
